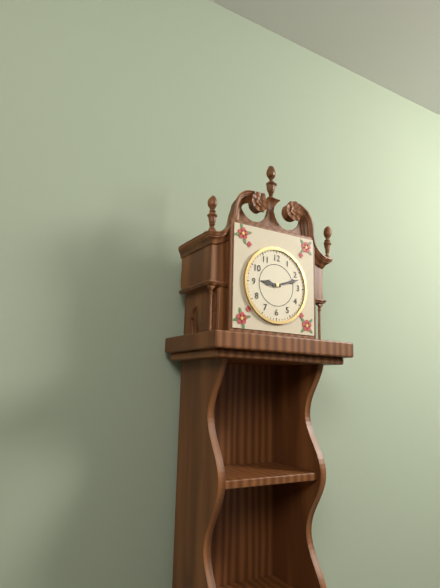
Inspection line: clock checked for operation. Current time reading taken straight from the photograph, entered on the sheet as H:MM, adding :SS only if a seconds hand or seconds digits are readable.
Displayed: 9:12
